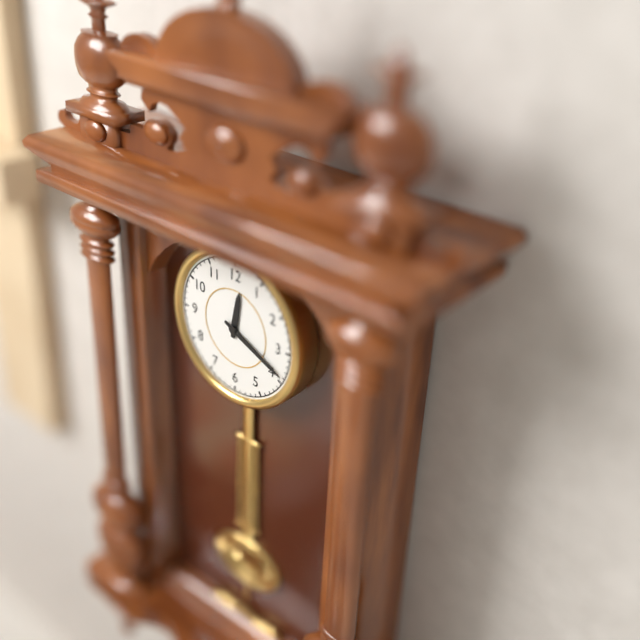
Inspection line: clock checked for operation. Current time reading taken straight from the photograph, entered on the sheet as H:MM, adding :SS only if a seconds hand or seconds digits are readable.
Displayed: 12:19
